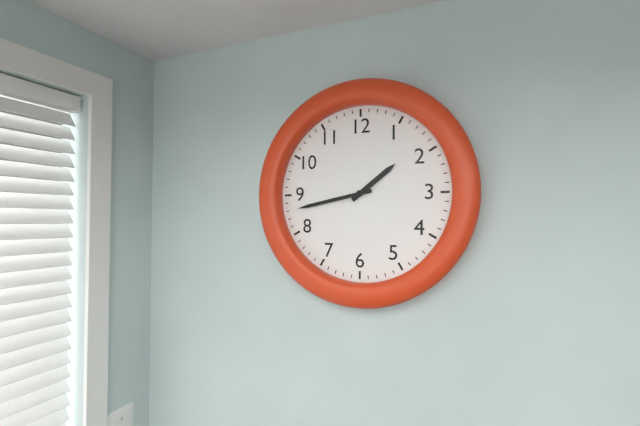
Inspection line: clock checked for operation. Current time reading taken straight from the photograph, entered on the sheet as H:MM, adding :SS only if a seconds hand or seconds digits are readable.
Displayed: 1:43
